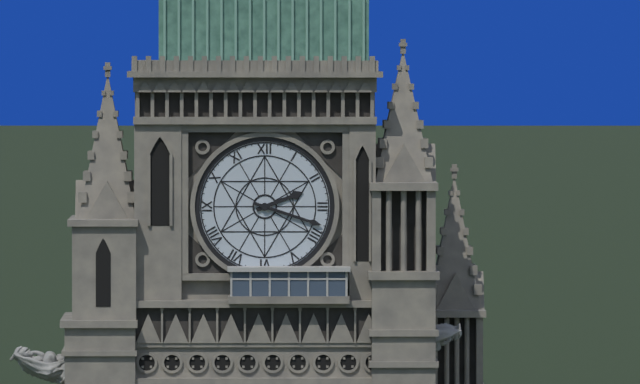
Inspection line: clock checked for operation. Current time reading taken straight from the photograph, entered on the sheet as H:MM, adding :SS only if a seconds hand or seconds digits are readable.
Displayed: 2:18
